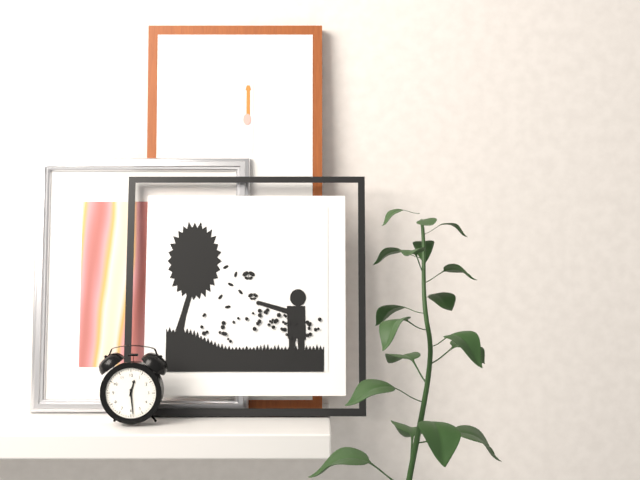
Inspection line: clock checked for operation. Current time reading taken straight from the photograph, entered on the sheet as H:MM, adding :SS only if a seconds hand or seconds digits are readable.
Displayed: 12:29
